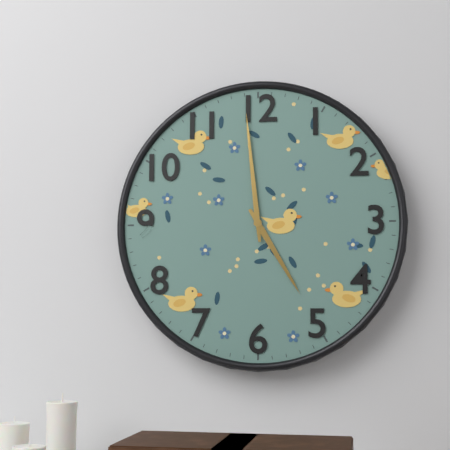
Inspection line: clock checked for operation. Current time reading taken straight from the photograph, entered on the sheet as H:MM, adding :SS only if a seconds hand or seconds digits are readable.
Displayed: 4:59
